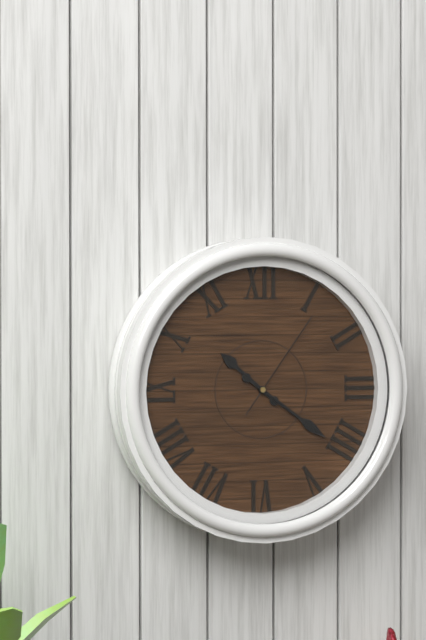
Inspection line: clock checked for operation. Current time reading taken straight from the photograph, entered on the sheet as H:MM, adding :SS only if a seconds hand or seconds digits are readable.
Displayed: 10:21:06
